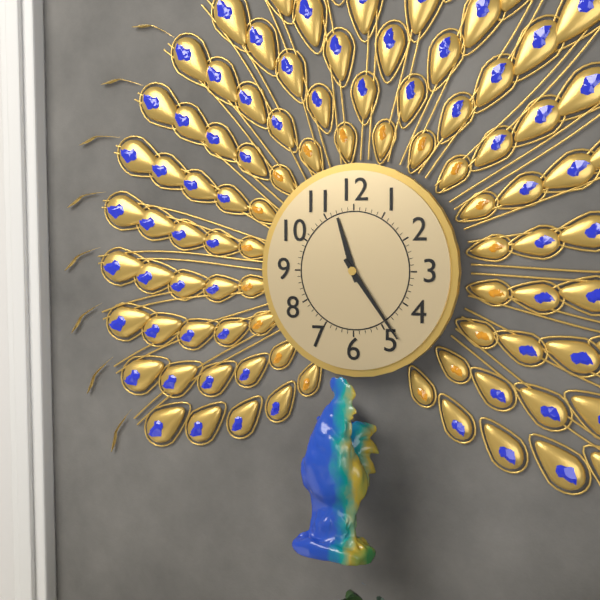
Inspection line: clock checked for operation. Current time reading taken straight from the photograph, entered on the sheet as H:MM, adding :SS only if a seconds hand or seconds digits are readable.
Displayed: 11:24
